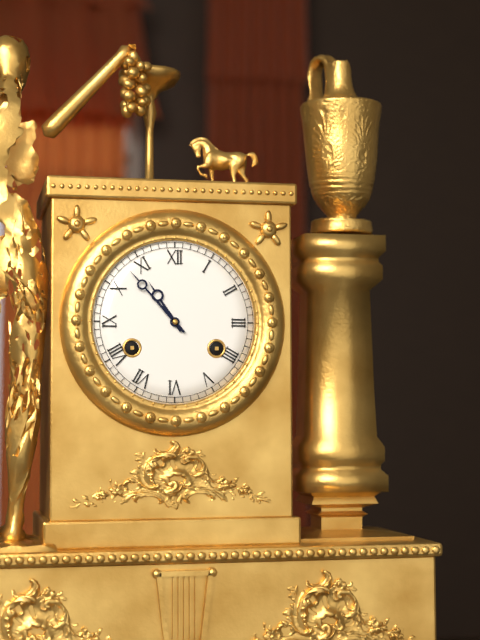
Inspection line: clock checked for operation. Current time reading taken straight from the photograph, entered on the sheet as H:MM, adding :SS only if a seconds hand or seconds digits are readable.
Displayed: 10:53
